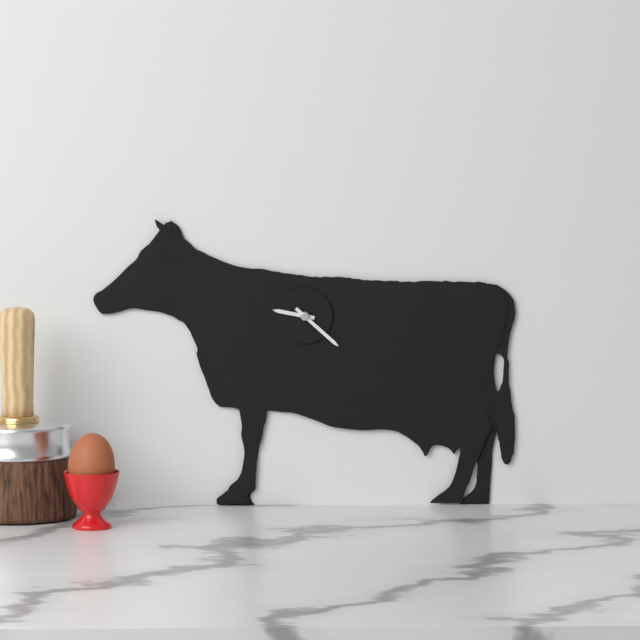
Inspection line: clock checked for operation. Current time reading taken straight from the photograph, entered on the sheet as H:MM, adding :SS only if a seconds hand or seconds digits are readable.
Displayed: 9:22
